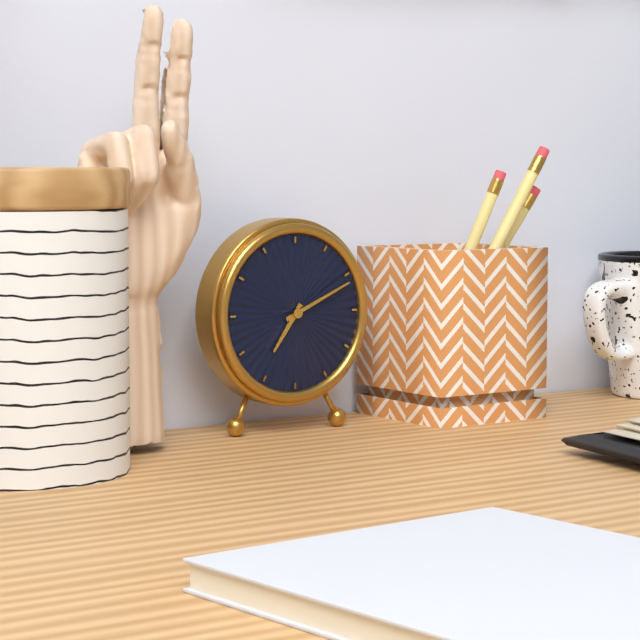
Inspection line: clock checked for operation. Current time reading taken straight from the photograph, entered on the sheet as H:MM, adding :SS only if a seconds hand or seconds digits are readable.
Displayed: 7:11
